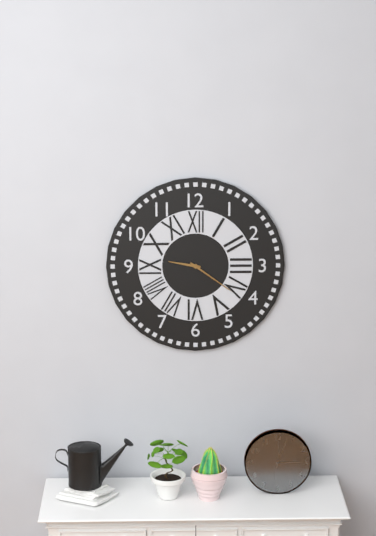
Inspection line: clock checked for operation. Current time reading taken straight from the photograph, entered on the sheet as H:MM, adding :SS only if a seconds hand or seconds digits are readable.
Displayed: 9:21
